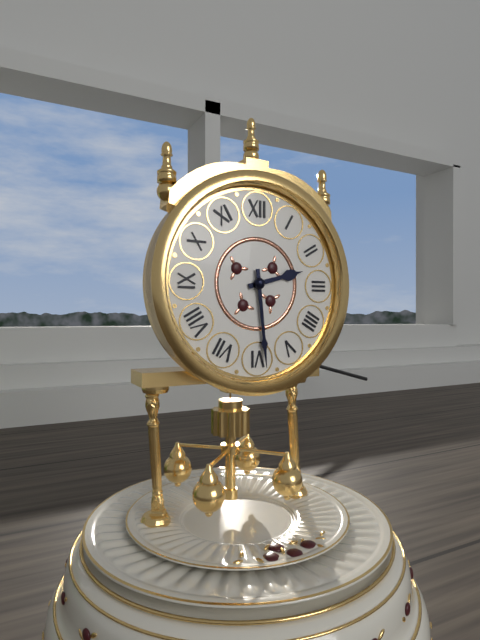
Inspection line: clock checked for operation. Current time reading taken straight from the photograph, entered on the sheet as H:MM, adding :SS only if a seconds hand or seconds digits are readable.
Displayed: 2:29
